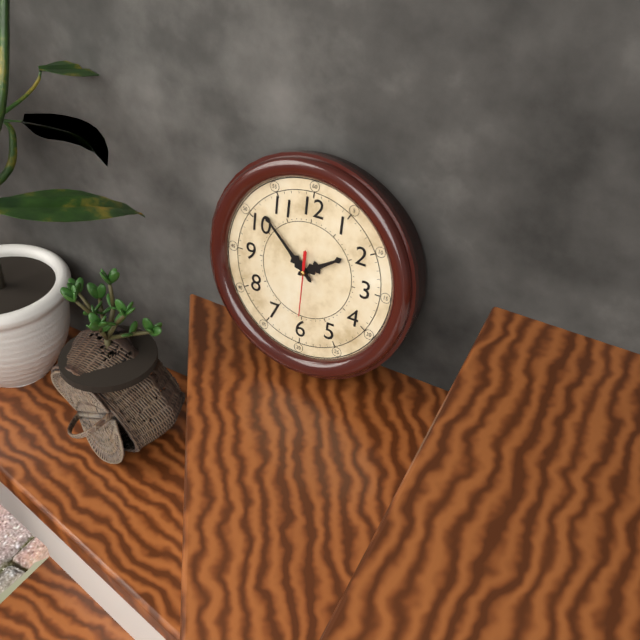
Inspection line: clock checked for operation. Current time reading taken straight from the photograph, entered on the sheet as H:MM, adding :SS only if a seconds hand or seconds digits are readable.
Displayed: 1:52:30
